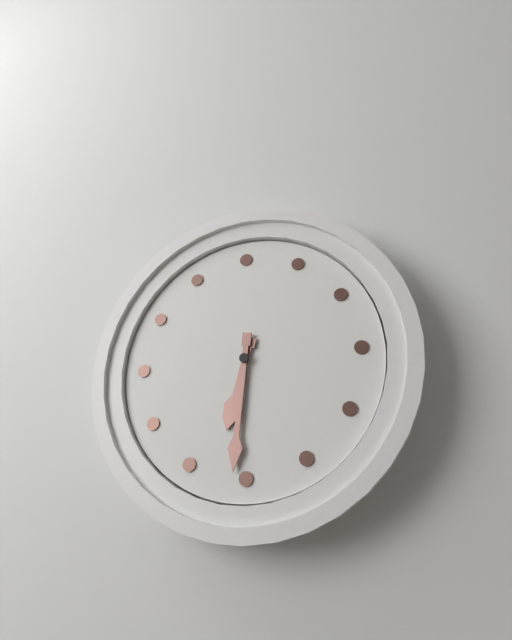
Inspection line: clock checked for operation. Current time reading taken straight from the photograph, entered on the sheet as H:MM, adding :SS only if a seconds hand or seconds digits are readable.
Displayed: 6:31
